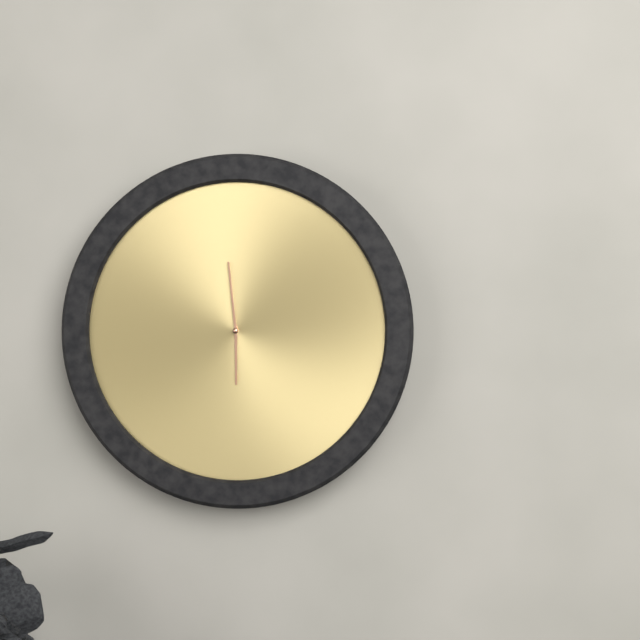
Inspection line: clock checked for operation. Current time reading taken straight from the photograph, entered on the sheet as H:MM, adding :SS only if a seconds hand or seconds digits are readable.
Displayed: 5:59
